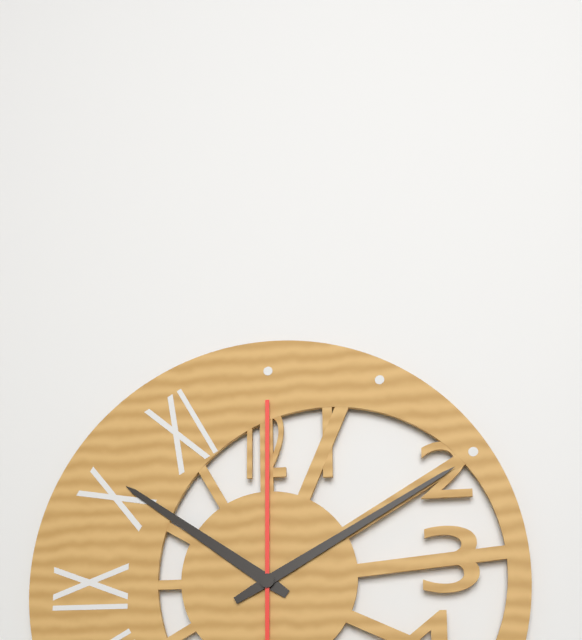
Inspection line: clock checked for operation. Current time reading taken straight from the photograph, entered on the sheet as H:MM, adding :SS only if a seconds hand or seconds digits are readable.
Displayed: 10:10:00
